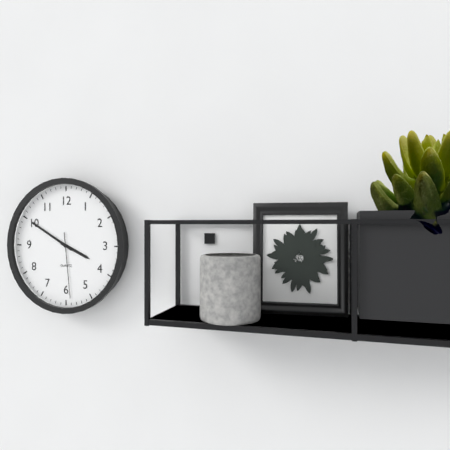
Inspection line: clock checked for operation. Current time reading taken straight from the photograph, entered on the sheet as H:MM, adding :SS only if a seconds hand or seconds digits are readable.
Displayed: 3:50:29
